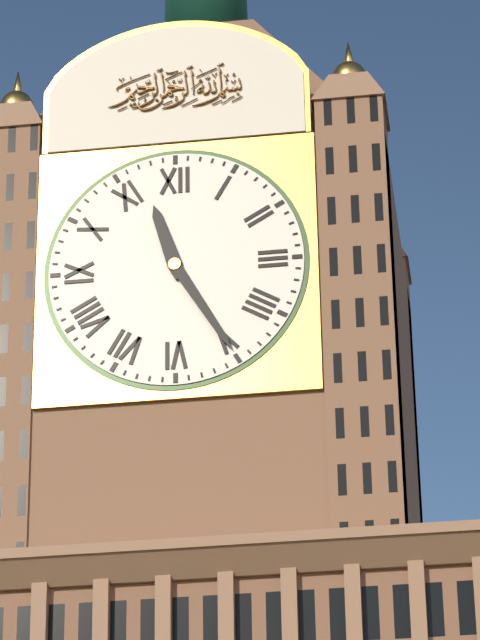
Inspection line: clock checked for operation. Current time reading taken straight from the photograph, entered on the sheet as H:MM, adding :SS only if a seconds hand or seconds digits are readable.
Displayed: 11:25
